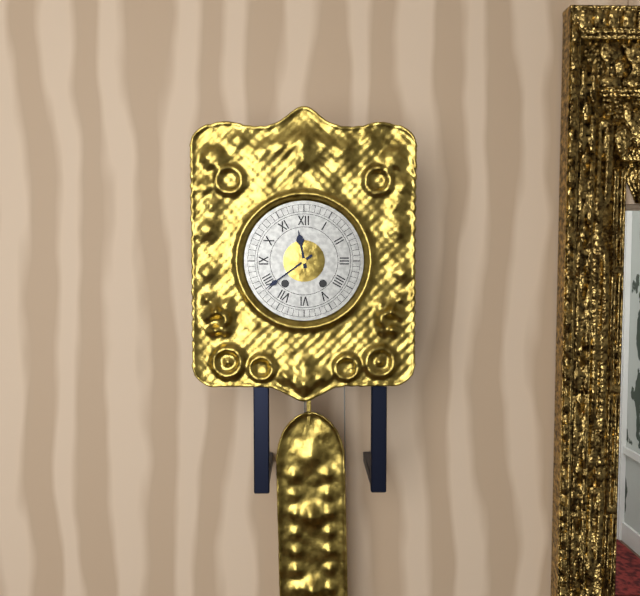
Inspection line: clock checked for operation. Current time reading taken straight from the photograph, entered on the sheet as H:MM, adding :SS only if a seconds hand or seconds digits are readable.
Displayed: 11:39
